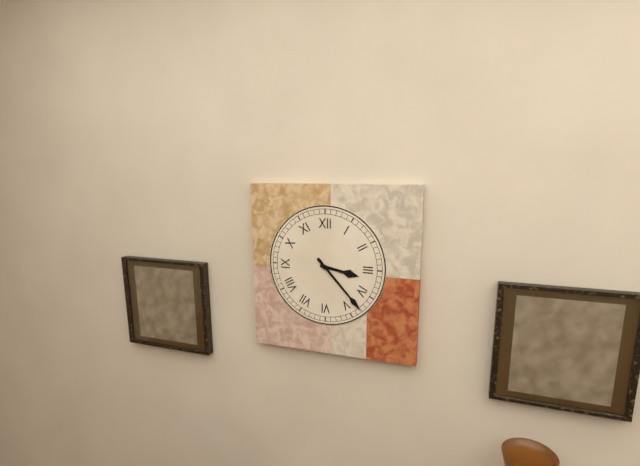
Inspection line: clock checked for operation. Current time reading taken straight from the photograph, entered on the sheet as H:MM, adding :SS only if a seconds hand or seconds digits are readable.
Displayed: 3:23
